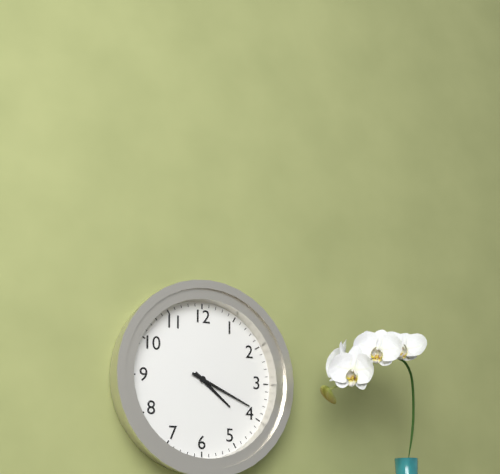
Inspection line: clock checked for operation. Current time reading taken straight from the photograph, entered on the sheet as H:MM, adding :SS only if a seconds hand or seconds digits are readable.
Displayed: 4:19
